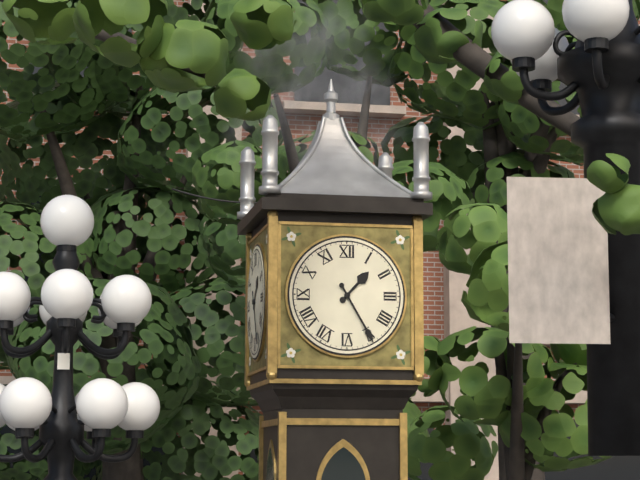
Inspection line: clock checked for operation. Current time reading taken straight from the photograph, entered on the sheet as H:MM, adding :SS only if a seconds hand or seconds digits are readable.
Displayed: 1:25
